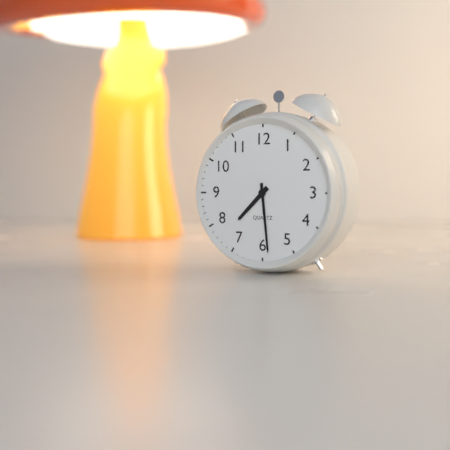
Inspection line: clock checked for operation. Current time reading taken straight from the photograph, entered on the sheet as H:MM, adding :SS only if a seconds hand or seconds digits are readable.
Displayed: 7:29
